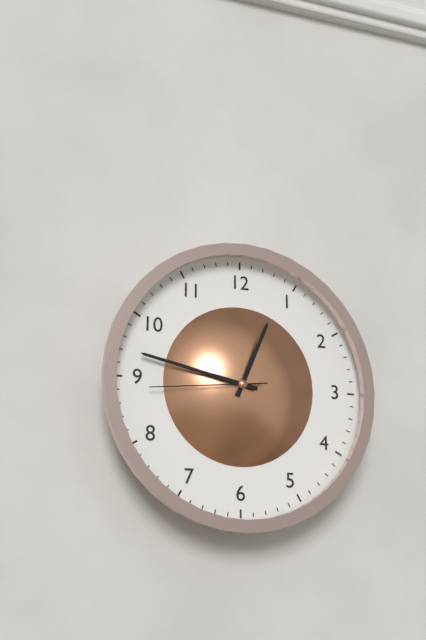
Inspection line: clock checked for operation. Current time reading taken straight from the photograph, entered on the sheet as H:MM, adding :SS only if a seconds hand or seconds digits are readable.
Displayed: 12:47:44
